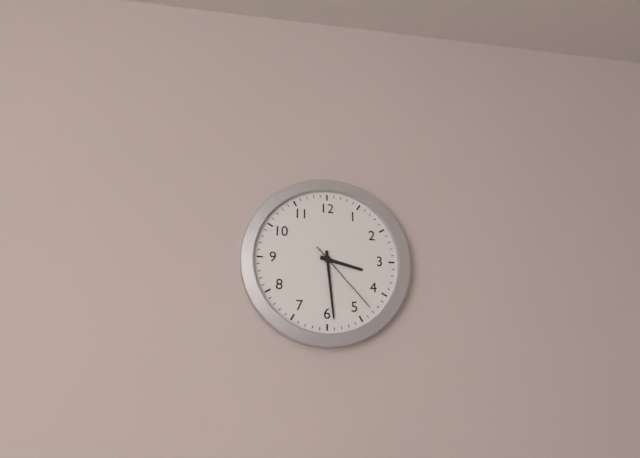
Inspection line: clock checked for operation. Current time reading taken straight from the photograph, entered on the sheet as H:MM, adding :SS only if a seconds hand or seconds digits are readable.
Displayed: 3:29:23
